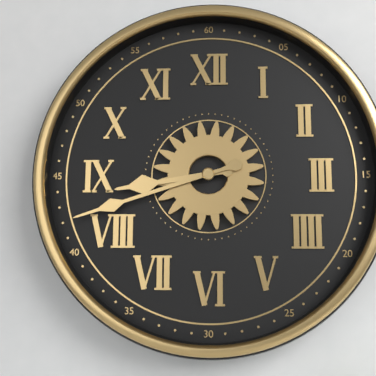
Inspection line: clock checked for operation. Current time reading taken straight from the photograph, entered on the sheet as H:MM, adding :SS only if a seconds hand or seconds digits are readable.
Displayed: 8:42
